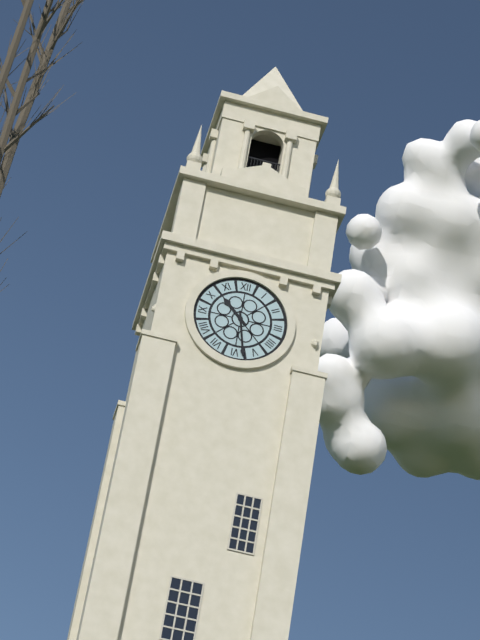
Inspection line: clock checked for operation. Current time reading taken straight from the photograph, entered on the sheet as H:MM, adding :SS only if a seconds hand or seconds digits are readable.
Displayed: 10:28
